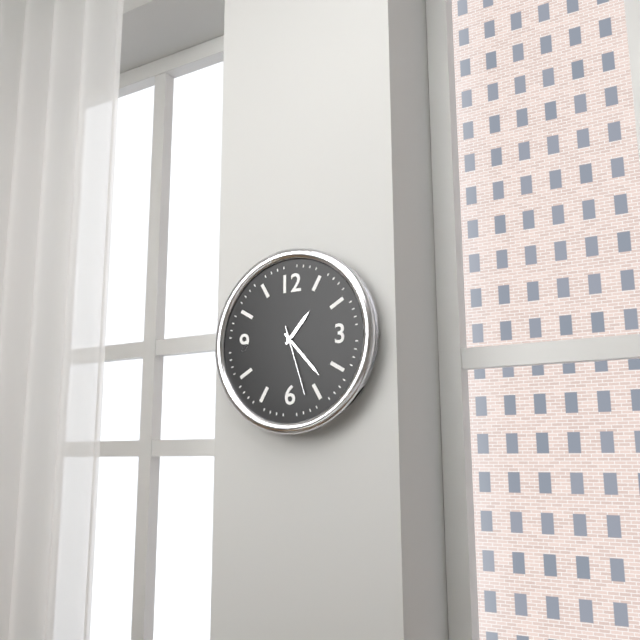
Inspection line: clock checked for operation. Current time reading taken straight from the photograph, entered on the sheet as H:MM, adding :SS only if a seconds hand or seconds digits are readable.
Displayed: 1:23:27
